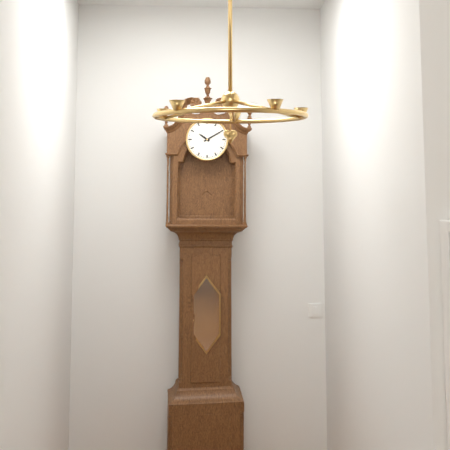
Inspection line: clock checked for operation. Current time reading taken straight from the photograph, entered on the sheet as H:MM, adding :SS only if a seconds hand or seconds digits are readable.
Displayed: 10:10
